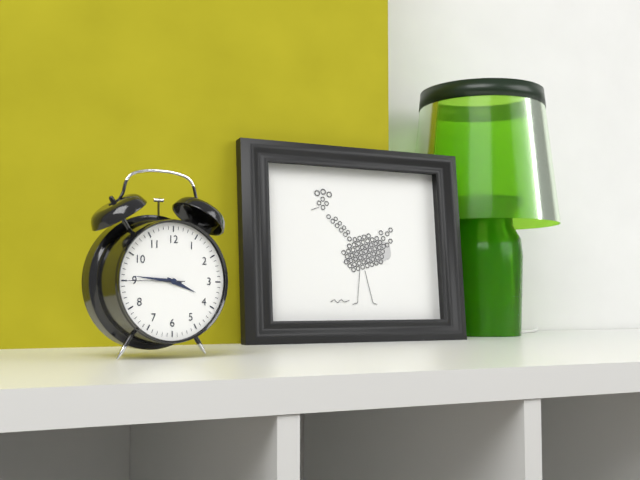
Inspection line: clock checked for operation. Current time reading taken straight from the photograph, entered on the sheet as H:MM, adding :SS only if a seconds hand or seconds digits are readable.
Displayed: 3:46:45
